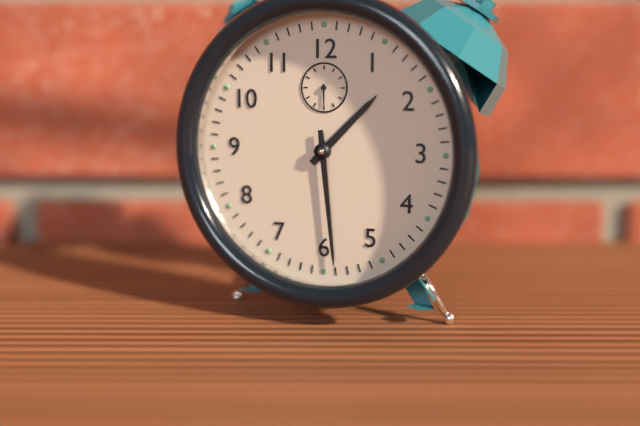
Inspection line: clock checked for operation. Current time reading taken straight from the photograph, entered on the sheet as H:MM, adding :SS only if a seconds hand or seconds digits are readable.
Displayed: 1:29
